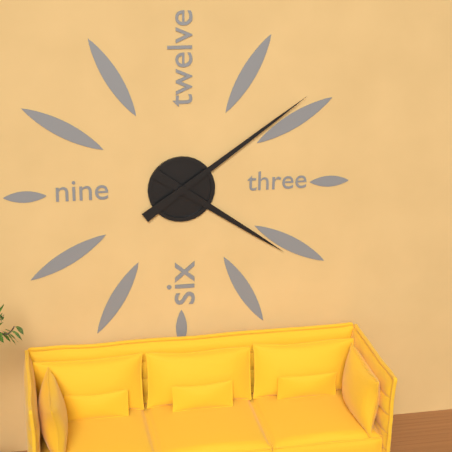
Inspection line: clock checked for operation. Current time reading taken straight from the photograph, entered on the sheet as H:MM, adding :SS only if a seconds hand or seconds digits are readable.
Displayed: 4:09
